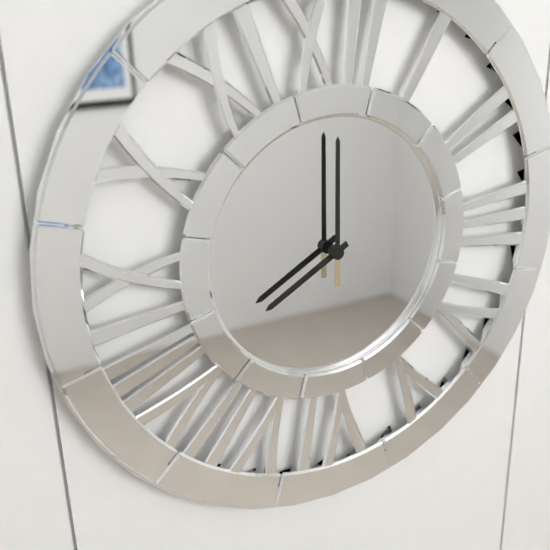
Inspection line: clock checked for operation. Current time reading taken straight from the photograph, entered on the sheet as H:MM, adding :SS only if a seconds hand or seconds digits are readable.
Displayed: 8:00
